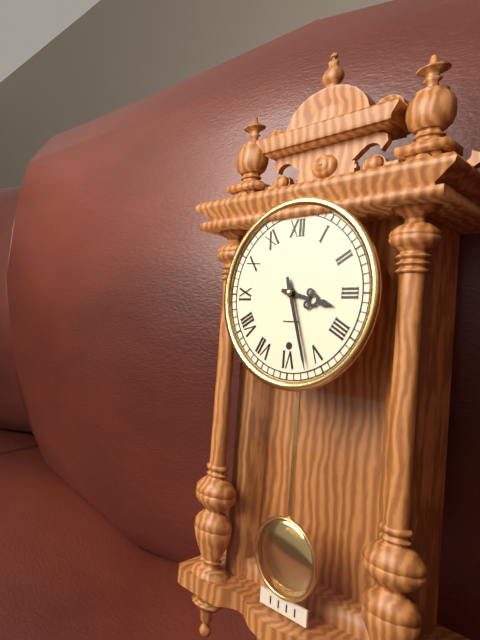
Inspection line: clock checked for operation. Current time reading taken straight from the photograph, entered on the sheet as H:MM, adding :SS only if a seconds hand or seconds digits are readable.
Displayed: 3:27
